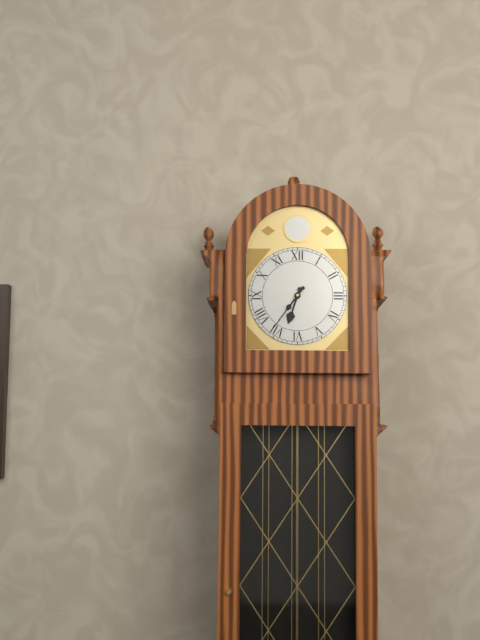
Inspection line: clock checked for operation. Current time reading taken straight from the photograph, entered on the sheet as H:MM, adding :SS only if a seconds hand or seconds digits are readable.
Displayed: 6:36
